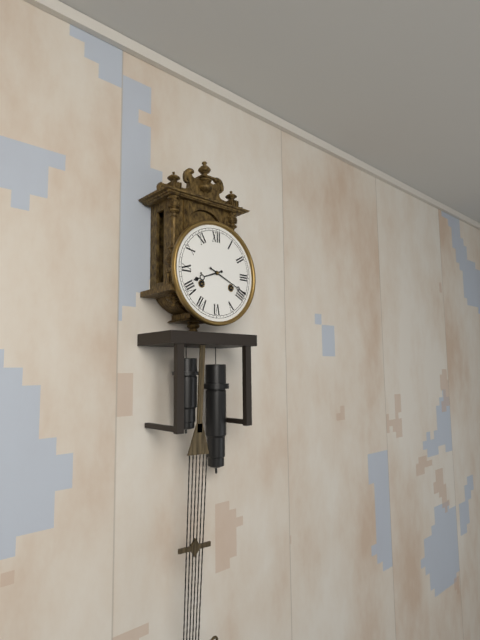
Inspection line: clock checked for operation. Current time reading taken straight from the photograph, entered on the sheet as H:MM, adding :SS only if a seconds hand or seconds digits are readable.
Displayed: 8:19
